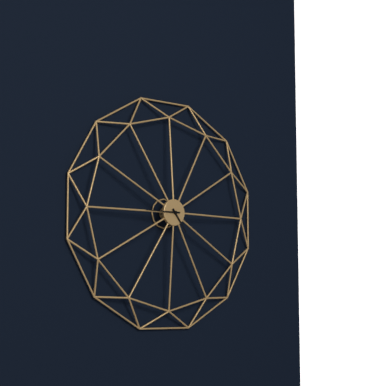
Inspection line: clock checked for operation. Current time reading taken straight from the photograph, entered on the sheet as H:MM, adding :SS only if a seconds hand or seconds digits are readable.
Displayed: 4:45
